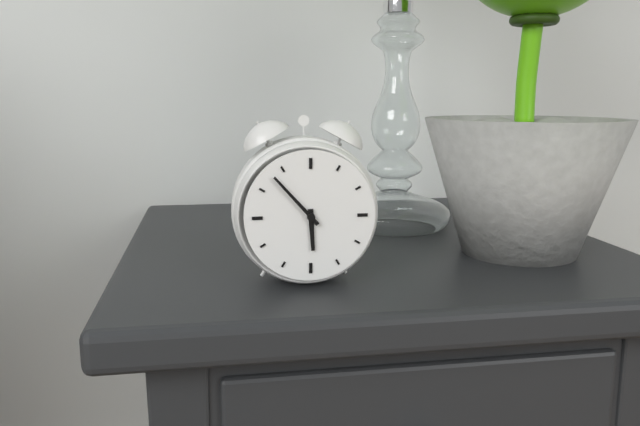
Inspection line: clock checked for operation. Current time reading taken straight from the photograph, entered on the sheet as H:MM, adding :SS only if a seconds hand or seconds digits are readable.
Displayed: 5:53
